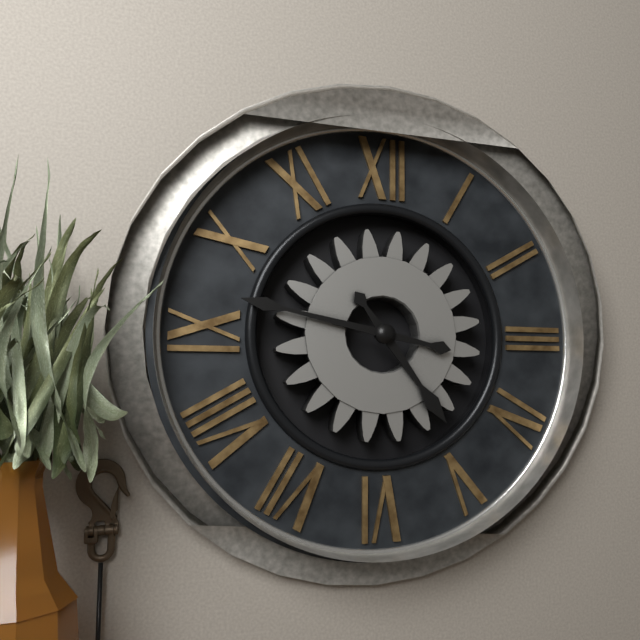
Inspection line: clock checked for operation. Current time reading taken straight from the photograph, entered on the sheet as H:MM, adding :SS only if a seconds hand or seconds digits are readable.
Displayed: 4:47
